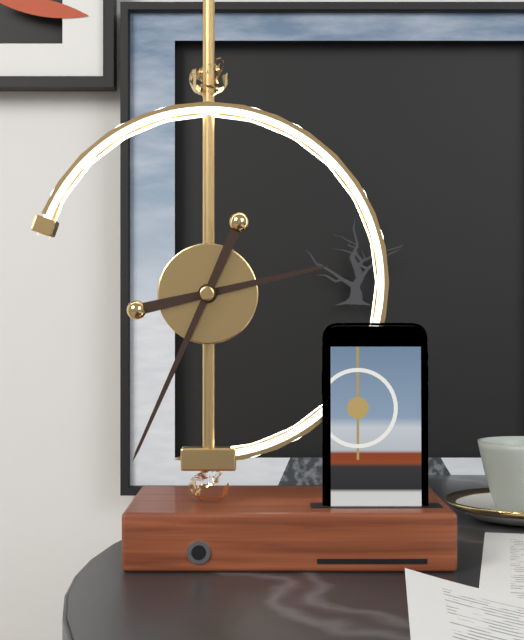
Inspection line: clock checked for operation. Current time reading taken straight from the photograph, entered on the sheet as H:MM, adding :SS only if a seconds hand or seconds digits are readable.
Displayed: 2:34
